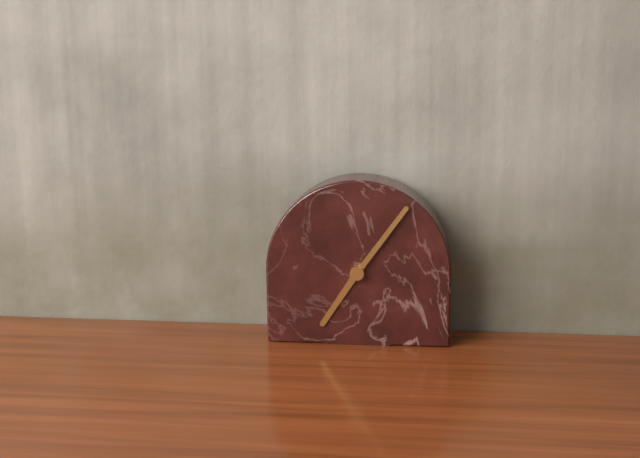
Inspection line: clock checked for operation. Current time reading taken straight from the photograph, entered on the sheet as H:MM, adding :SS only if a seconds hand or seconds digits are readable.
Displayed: 7:06
